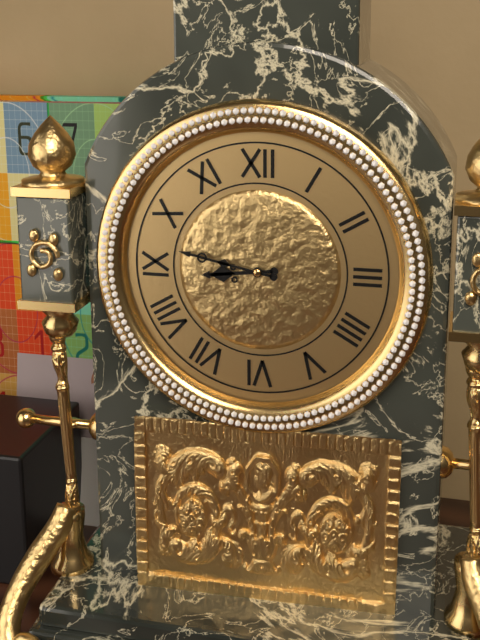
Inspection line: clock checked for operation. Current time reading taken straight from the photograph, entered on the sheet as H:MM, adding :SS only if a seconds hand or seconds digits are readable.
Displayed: 8:47
